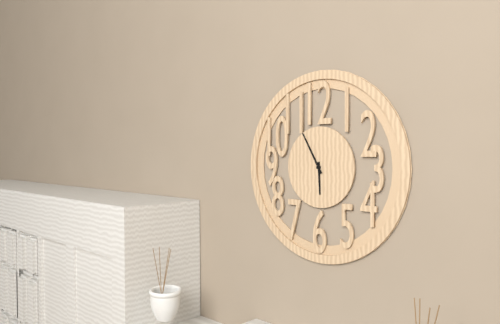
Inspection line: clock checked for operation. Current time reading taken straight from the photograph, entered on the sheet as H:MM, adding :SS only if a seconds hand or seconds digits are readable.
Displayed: 5:55
